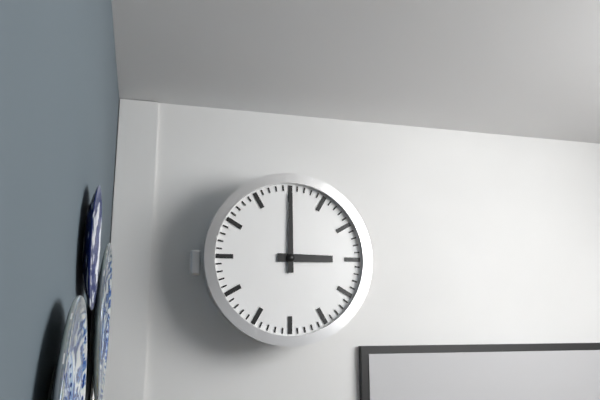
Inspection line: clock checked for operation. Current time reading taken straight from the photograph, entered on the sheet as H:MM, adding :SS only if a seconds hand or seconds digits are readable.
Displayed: 3:00
